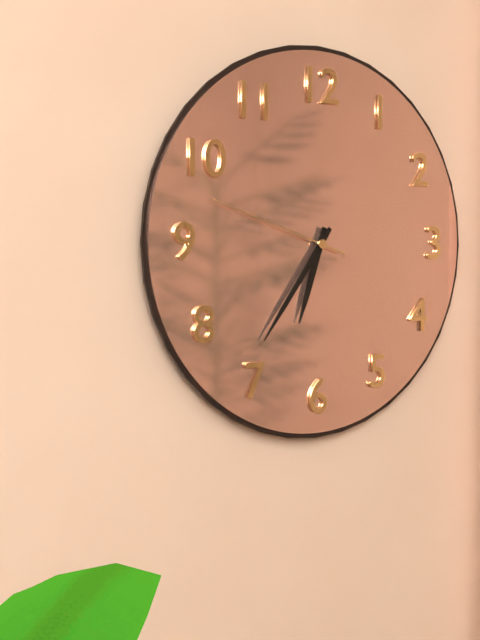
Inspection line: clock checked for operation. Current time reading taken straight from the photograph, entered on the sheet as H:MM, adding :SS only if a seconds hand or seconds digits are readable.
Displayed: 6:36:48
